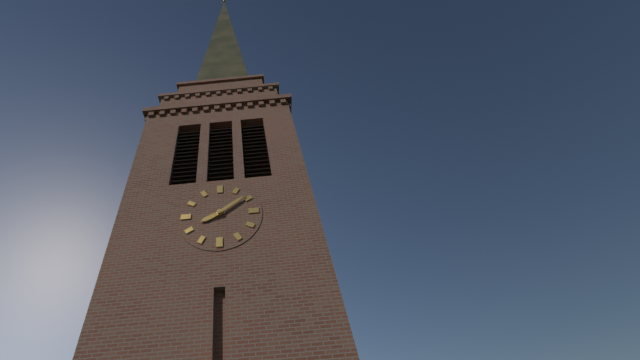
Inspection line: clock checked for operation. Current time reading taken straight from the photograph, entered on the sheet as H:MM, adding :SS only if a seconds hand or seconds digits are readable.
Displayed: 8:09
